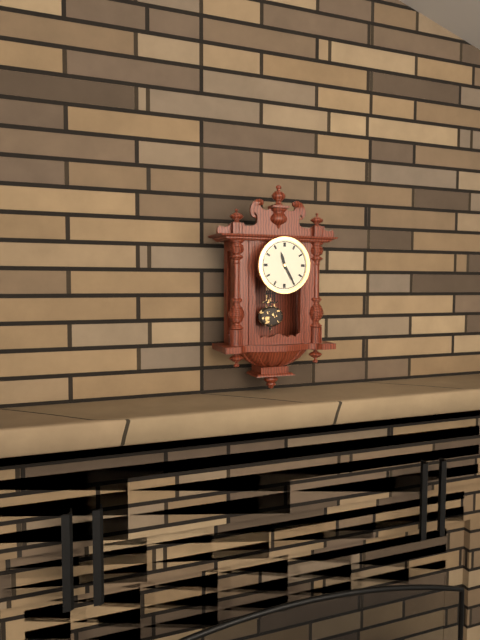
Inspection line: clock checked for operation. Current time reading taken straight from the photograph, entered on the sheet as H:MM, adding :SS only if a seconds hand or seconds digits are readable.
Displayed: 11:25
